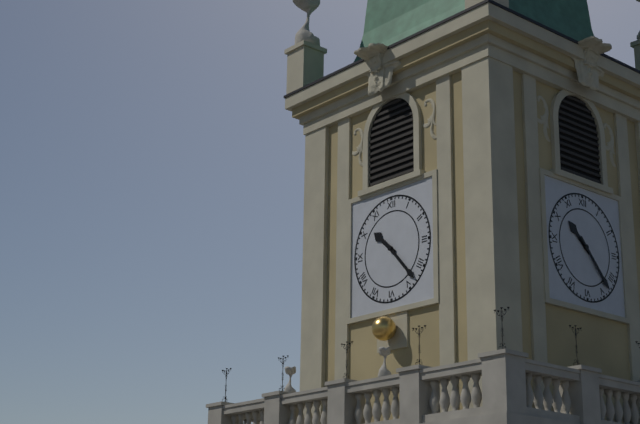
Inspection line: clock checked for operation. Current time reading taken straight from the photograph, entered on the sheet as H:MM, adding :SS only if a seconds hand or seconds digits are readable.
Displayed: 10:23
